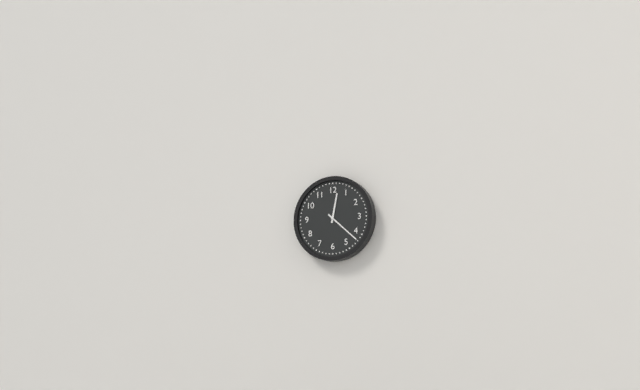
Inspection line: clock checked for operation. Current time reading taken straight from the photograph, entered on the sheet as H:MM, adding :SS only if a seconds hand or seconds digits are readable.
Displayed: 12:22
